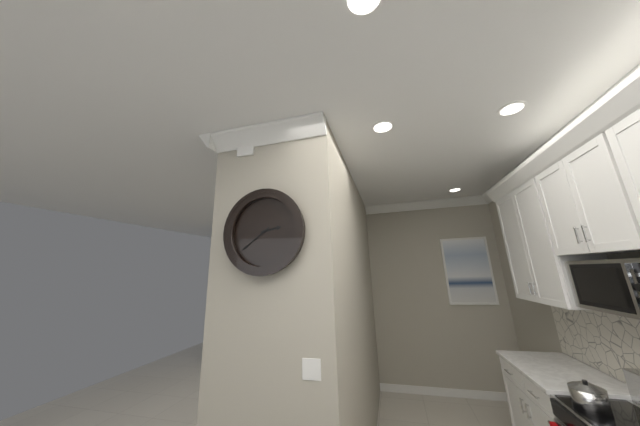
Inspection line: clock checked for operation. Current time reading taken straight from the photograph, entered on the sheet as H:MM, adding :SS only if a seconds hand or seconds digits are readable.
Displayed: 2:39
